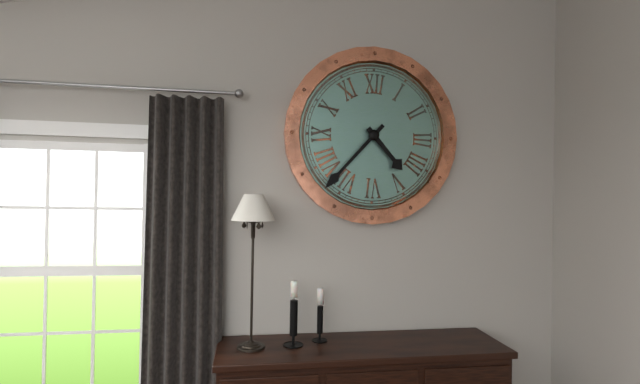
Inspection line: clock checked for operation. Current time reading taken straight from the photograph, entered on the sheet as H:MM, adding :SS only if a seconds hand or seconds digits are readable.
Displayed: 4:37
